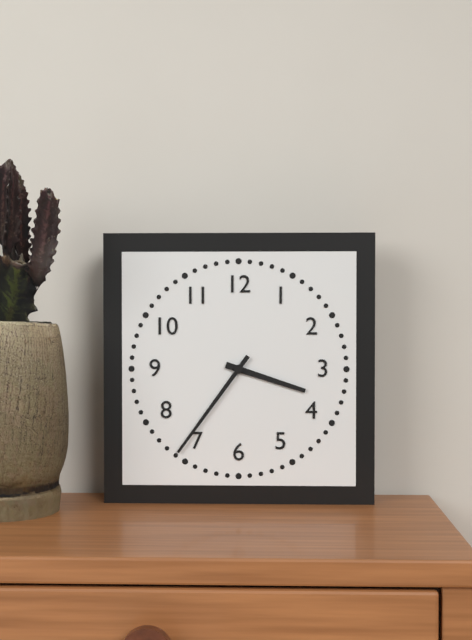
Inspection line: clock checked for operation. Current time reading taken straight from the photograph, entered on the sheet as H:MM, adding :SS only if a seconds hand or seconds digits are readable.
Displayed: 3:36
